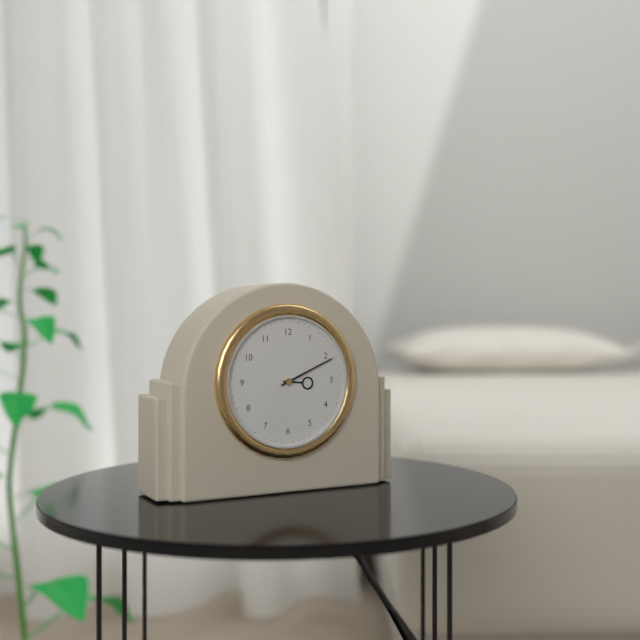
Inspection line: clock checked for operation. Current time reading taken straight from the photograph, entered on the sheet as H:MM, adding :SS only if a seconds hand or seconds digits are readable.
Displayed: 3:11
